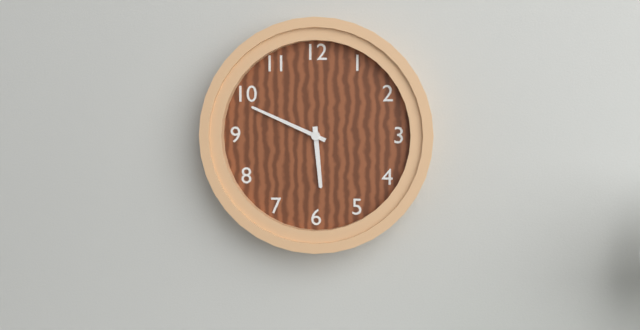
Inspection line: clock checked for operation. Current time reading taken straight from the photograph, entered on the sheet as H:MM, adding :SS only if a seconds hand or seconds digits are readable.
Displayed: 5:49
